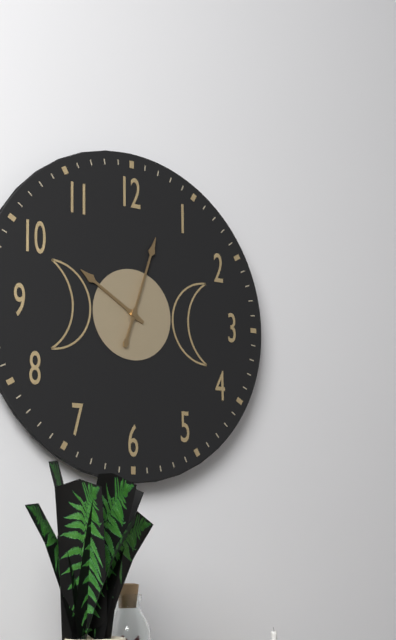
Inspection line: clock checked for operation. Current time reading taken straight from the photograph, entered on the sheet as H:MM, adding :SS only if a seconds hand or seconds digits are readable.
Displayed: 10:03
